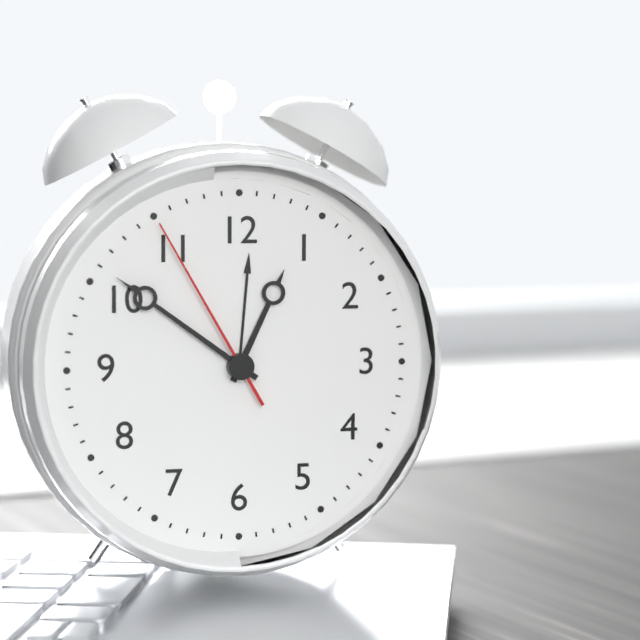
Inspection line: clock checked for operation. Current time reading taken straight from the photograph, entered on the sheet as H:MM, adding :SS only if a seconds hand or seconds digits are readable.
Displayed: 12:51:55
